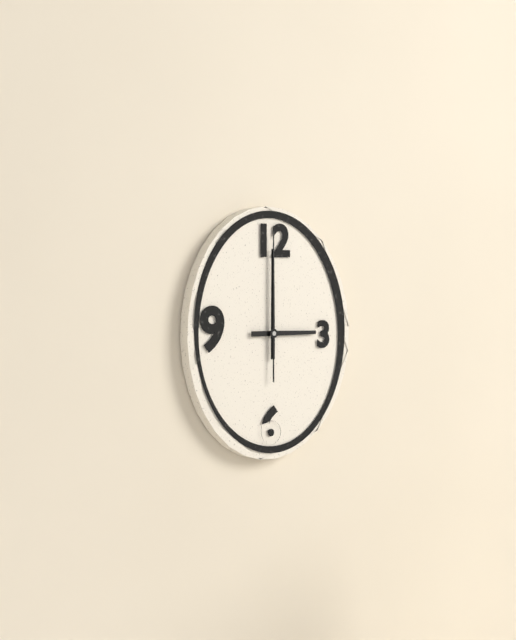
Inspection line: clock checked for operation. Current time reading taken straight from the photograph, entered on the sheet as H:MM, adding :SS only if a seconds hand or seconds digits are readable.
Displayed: 3:00:00
